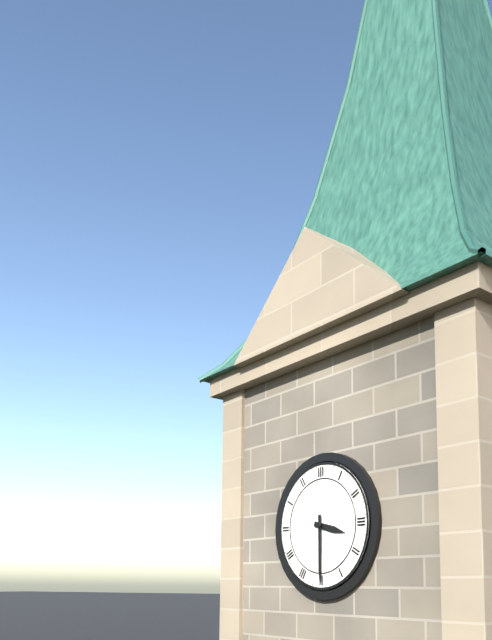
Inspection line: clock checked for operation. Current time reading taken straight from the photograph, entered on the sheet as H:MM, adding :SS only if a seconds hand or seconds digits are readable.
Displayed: 3:30
